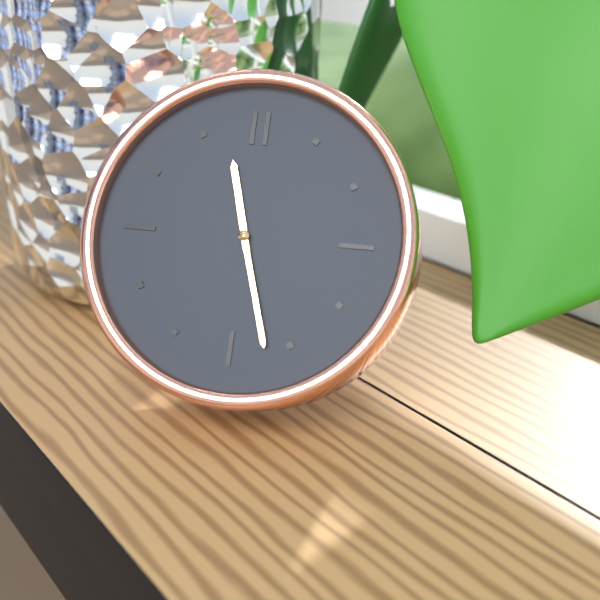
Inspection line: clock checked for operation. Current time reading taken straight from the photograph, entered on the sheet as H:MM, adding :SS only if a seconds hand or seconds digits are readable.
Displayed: 11:27
